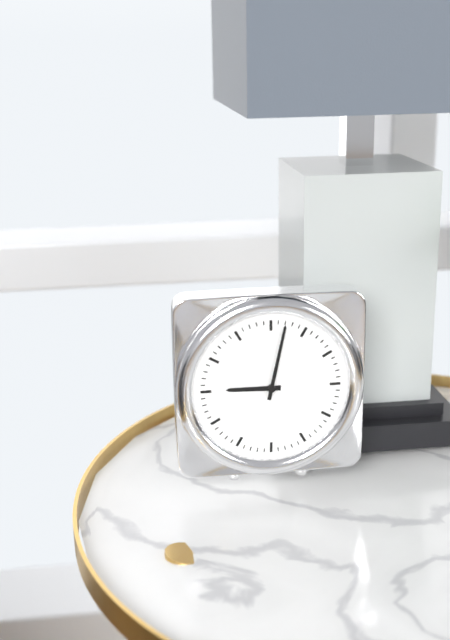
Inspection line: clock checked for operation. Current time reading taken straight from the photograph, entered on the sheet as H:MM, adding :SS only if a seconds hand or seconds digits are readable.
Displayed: 9:02
